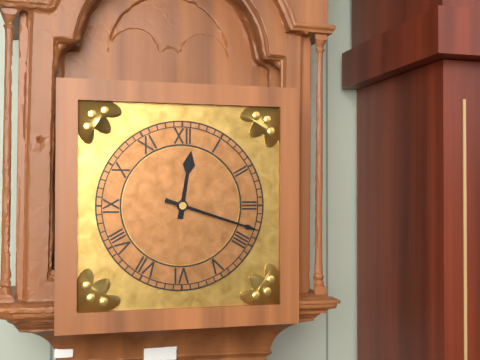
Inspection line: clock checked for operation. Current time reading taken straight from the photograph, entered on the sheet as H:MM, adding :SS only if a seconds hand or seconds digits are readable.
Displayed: 12:18
